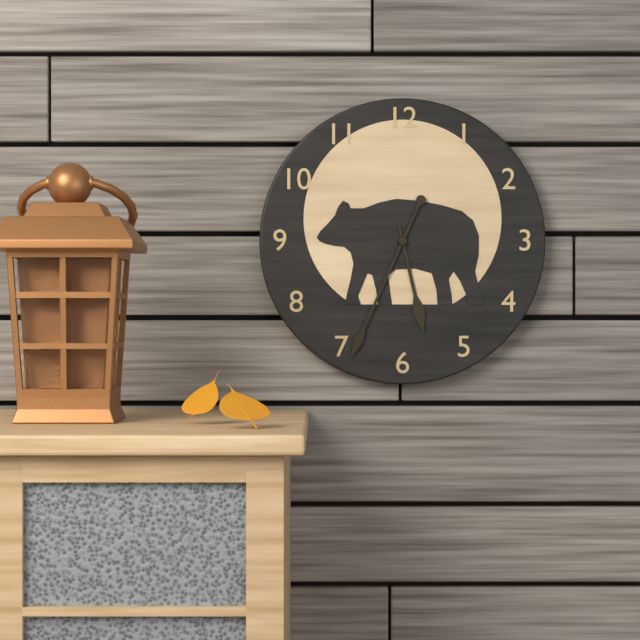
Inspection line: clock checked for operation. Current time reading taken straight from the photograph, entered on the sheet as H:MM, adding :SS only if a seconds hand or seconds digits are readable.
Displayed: 5:34
